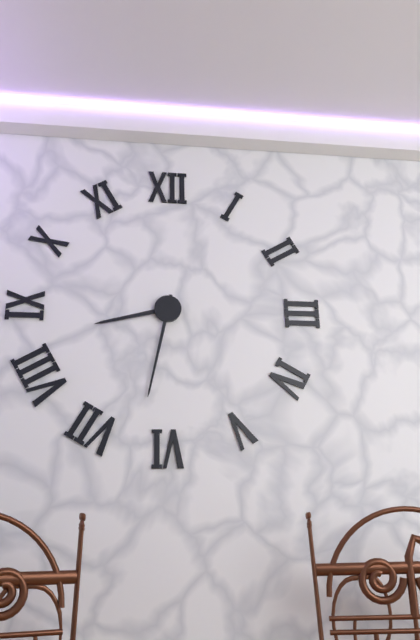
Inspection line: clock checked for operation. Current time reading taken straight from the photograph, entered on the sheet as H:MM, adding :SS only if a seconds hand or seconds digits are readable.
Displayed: 8:32
